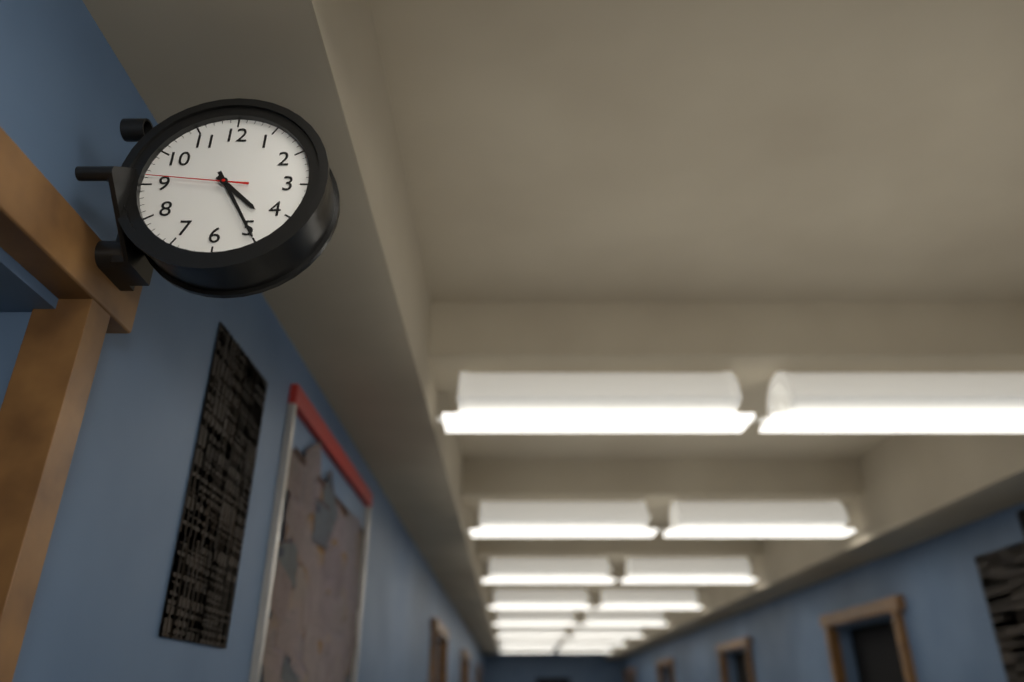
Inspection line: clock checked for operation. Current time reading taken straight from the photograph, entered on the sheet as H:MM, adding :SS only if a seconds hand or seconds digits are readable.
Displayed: 4:25:46
